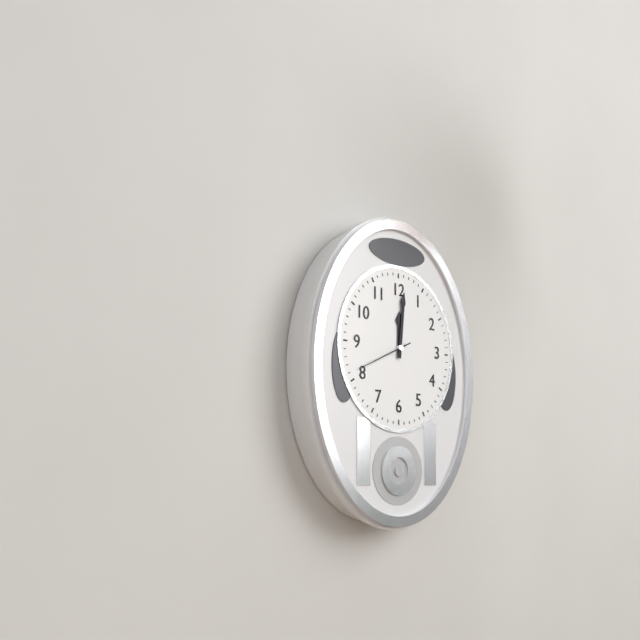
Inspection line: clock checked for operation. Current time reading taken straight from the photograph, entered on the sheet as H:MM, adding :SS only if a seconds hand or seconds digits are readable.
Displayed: 12:01:41
